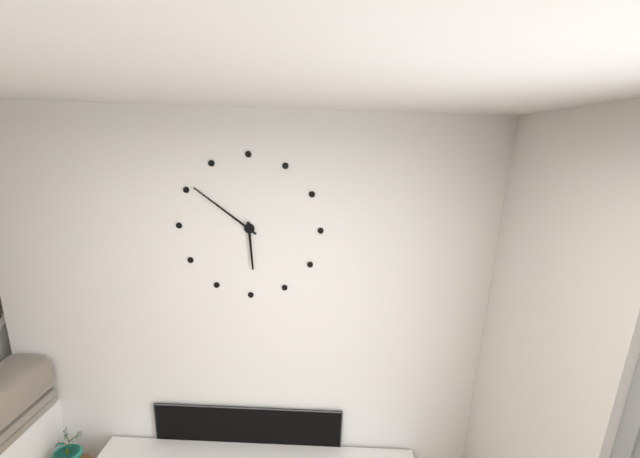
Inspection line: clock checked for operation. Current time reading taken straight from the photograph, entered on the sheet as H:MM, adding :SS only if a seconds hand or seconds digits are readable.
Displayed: 5:51
